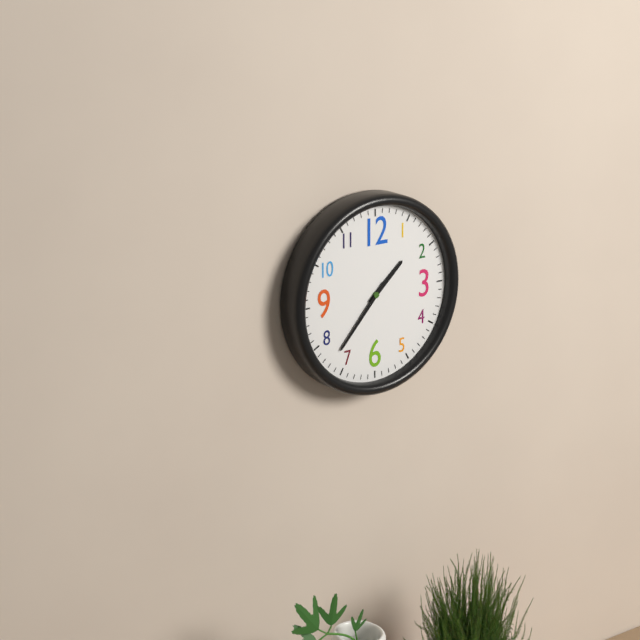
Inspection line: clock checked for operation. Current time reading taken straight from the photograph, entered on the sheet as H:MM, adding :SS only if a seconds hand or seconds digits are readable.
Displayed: 1:37
